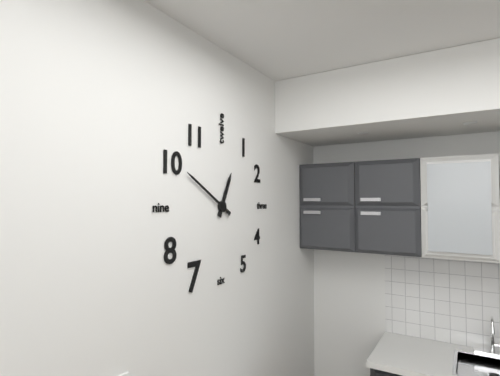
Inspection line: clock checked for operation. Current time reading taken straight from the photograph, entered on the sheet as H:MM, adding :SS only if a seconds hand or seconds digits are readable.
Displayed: 12:50
